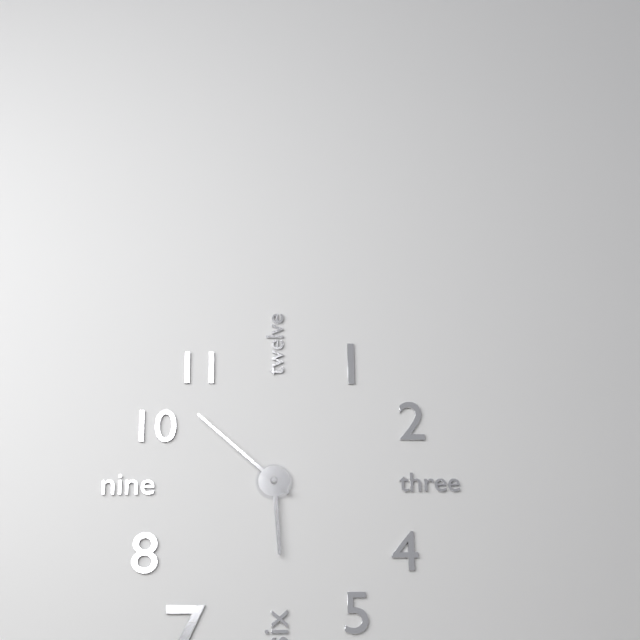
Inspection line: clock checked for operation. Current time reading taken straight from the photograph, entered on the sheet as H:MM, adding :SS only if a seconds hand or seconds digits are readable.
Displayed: 5:52
